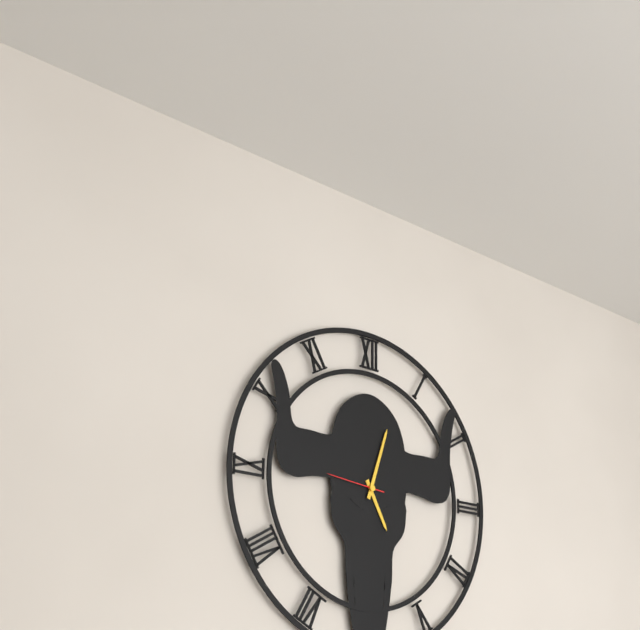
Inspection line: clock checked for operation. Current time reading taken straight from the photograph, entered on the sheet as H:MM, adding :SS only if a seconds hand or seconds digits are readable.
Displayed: 5:03:46
